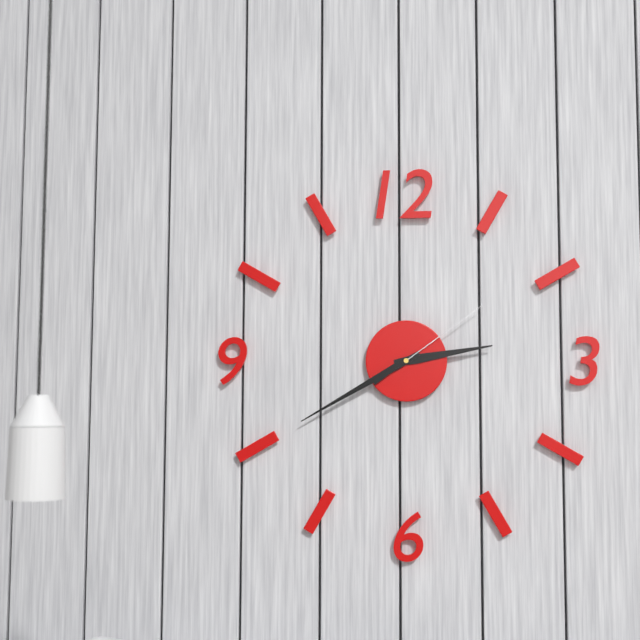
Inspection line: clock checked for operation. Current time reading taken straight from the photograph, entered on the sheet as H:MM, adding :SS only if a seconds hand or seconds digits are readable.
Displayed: 2:40:09
